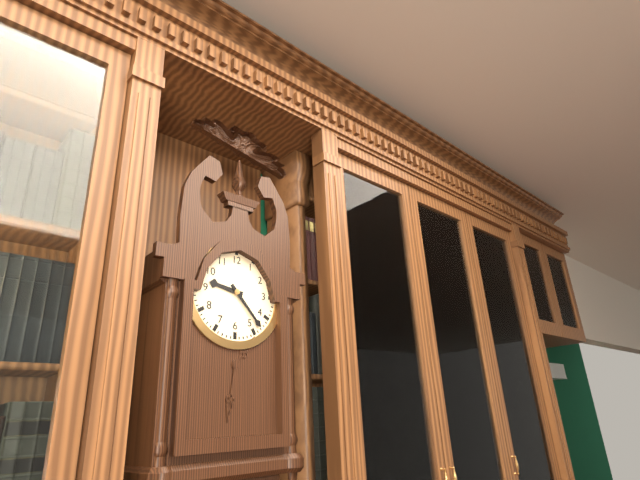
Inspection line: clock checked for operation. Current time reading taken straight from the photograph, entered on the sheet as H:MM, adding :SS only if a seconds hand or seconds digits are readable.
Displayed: 9:23
